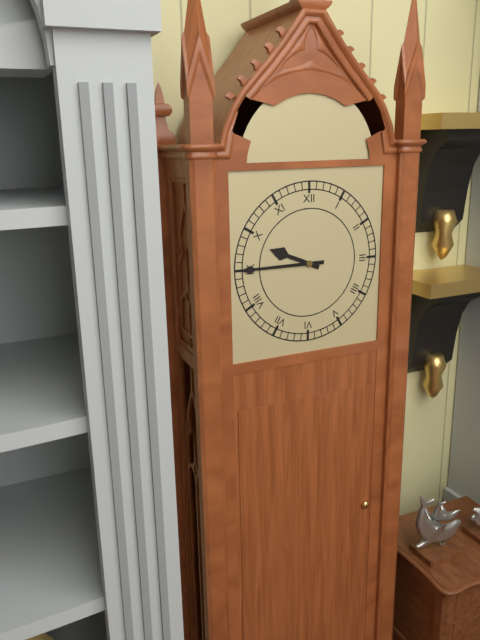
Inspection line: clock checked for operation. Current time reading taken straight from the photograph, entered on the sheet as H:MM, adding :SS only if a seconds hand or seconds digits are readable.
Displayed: 9:45
